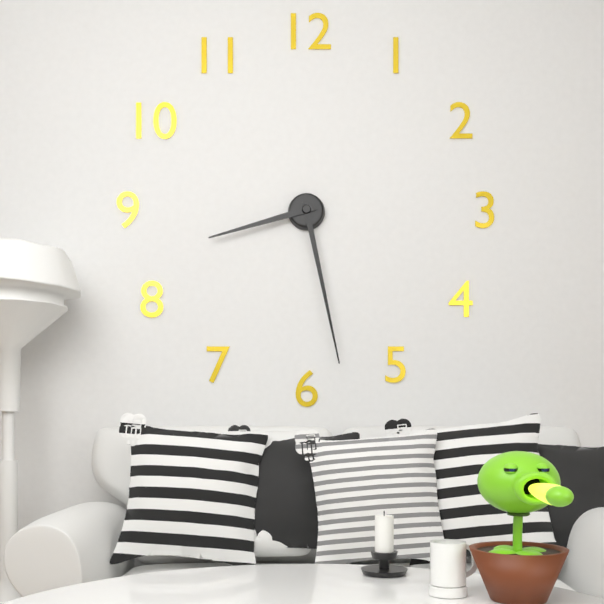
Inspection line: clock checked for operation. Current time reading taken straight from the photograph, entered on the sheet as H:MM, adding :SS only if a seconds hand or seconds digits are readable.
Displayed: 8:28
